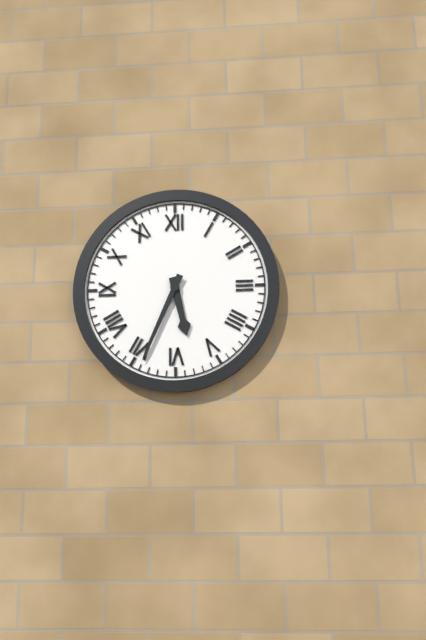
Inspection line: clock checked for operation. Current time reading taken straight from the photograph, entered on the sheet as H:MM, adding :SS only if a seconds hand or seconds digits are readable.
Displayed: 5:34
